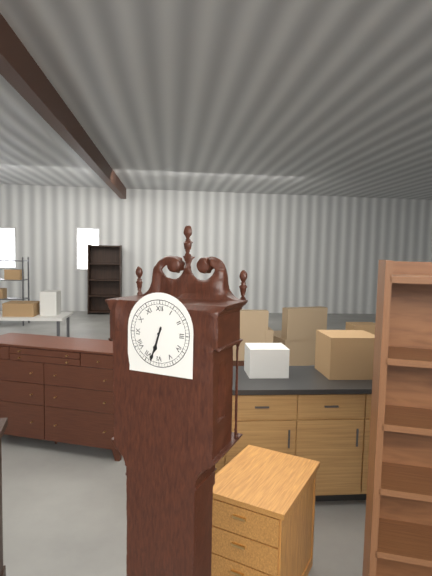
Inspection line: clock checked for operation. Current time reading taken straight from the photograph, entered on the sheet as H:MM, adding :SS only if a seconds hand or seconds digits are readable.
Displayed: 6:33
